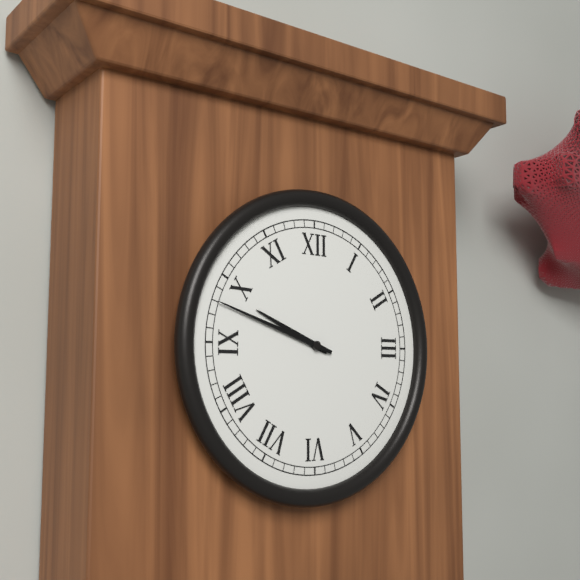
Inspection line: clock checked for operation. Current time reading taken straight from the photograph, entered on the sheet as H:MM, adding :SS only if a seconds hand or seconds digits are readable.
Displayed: 9:48
